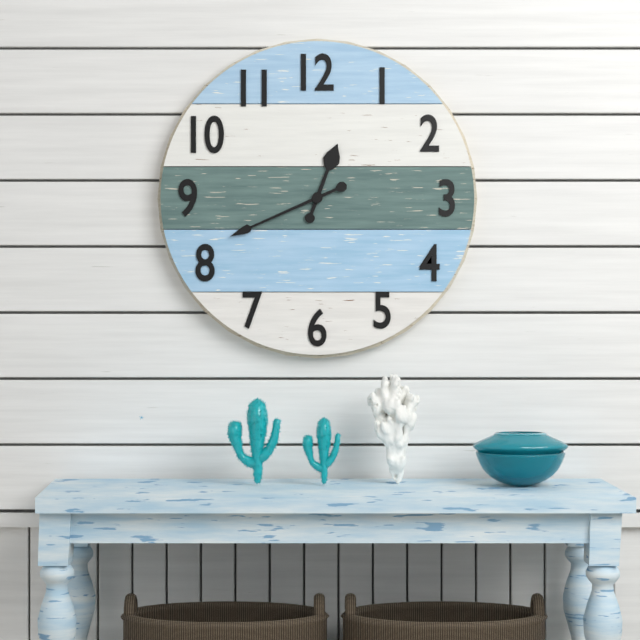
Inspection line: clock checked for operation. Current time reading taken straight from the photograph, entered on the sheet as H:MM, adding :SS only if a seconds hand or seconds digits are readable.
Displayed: 12:41
